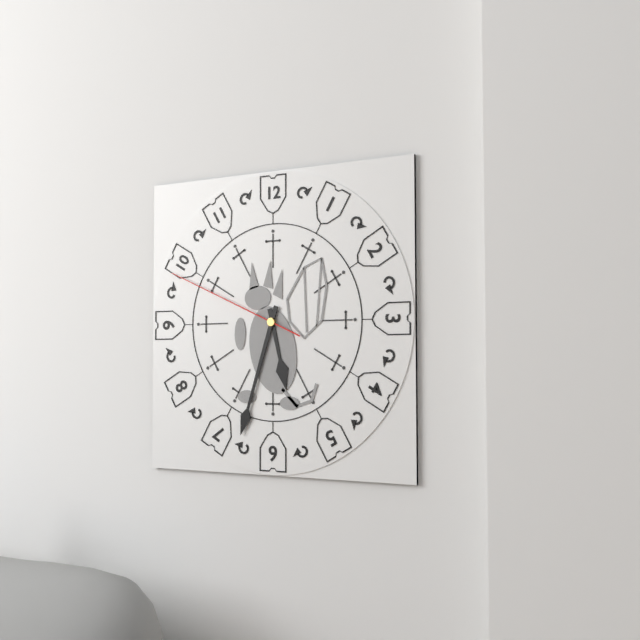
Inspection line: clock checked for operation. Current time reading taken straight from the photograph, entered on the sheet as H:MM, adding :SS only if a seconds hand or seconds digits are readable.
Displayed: 5:33:49
